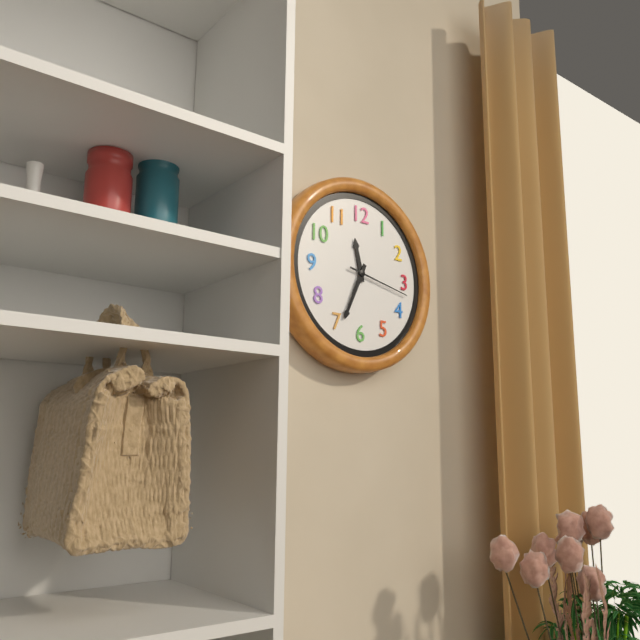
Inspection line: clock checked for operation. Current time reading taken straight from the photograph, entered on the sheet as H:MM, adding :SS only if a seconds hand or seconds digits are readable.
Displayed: 11:34:17
